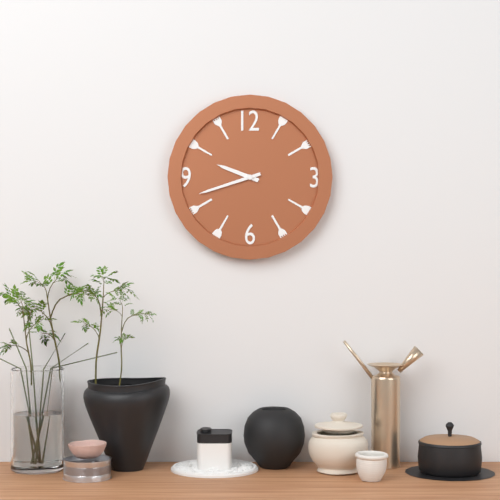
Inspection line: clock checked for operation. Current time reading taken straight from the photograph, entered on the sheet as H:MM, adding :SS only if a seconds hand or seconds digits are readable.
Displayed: 9:42
